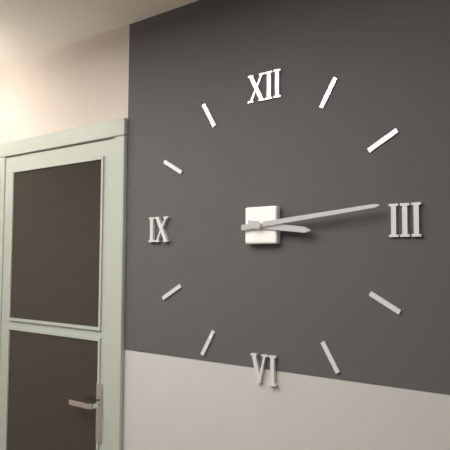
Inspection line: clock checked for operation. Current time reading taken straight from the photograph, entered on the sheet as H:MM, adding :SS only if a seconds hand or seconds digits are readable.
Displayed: 3:14
